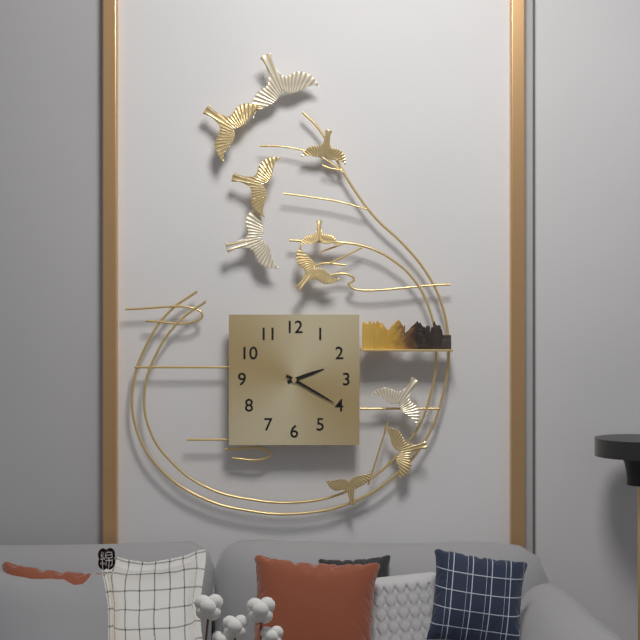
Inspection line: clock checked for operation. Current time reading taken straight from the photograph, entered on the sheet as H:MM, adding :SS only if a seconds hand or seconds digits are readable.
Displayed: 2:20
